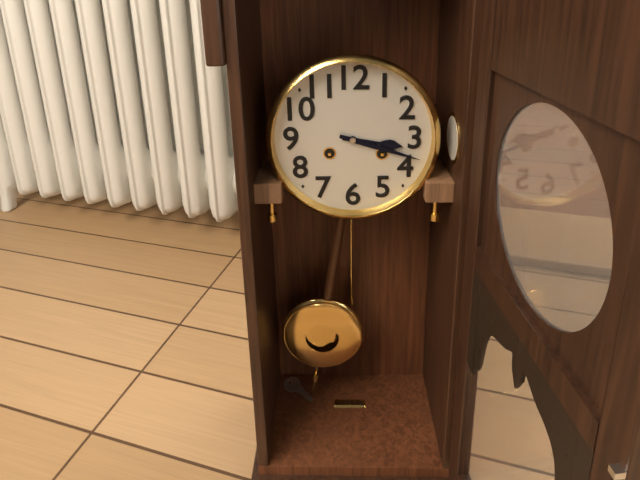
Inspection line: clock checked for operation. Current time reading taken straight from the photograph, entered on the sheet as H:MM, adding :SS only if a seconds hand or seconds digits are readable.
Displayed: 3:18
